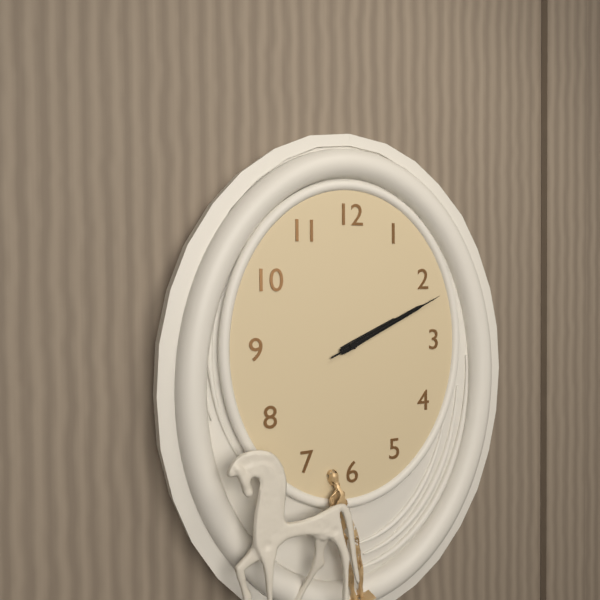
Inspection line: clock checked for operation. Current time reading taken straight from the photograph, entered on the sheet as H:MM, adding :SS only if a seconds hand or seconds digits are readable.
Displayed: 2:11:11
